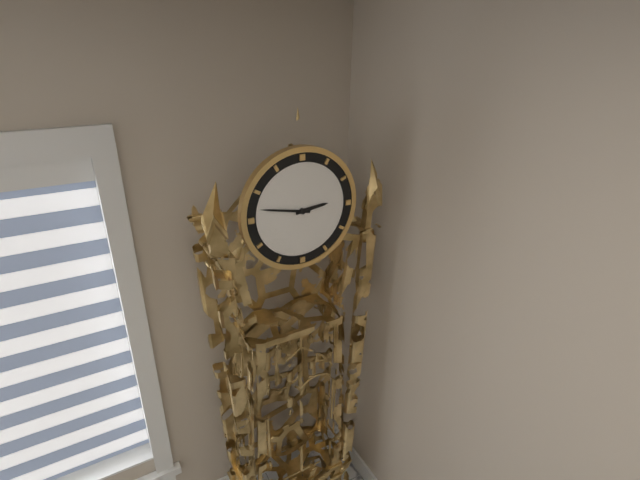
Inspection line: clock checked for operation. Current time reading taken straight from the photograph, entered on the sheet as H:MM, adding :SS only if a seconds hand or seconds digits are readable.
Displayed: 2:47
